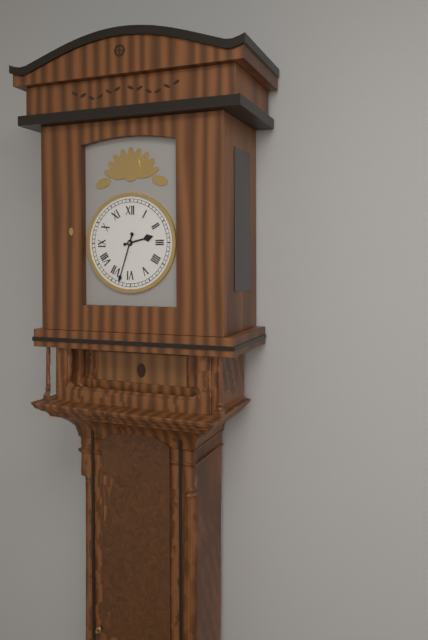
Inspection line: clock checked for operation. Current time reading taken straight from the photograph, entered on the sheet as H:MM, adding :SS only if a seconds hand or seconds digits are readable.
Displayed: 2:33
